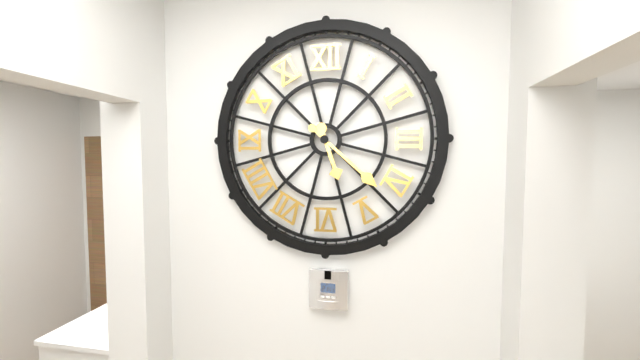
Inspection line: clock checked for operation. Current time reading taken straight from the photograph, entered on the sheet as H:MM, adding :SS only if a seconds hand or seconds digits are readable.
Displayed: 5:22
